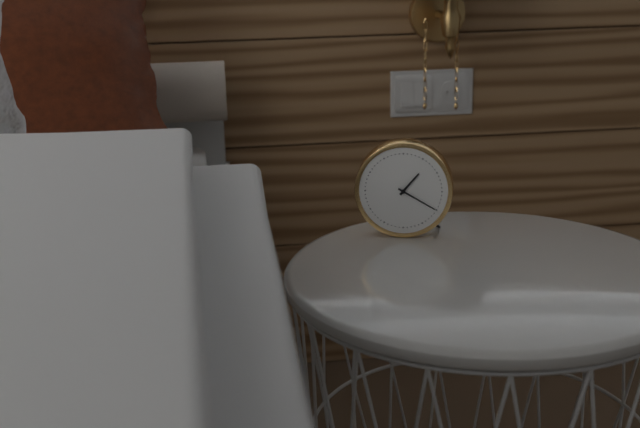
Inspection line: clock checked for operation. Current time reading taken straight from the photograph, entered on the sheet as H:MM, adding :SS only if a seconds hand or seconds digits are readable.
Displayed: 1:20
